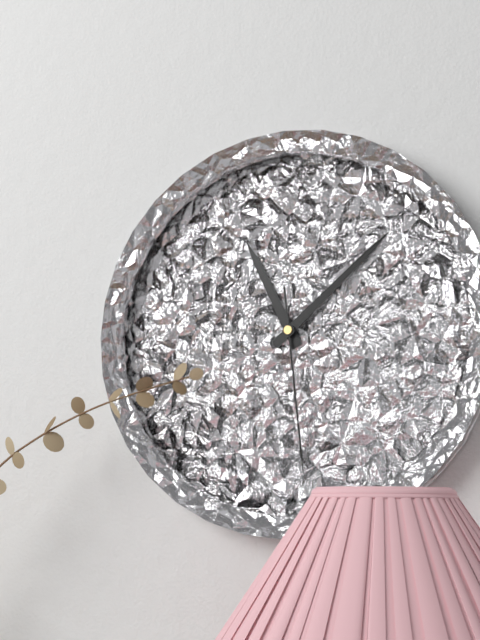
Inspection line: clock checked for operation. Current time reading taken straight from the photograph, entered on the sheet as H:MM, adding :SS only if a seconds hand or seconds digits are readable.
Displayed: 11:08:29
